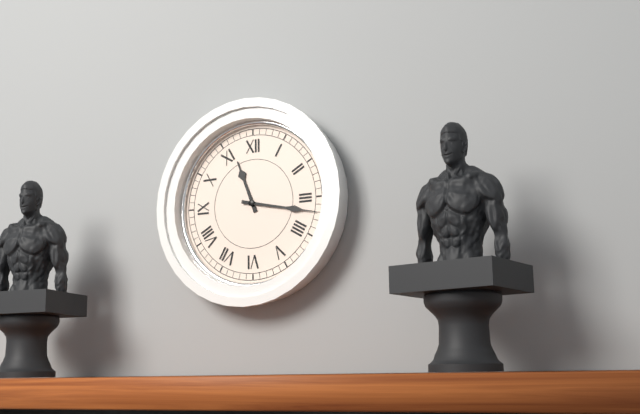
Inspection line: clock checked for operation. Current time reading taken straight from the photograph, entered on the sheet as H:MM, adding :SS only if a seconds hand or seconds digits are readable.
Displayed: 11:17
